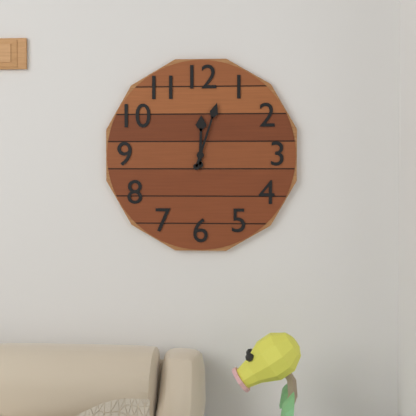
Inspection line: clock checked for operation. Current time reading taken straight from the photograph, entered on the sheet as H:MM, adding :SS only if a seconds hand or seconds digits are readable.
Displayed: 12:03
